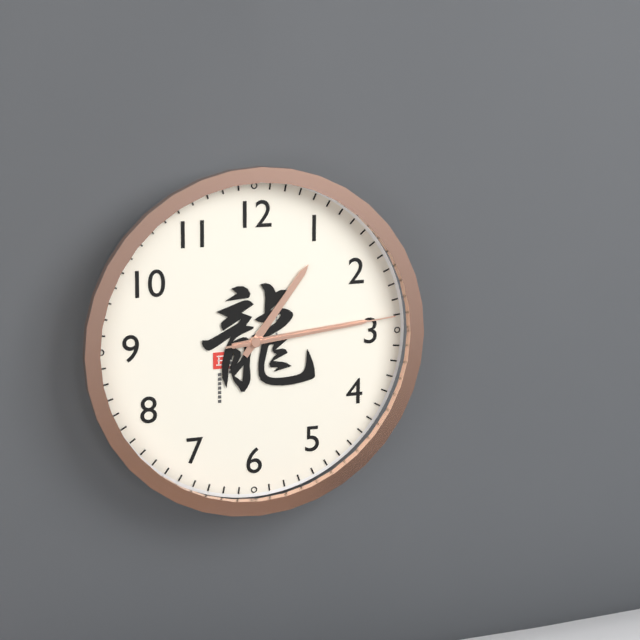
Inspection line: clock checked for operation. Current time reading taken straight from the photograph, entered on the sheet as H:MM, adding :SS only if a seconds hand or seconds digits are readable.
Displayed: 1:14:14
